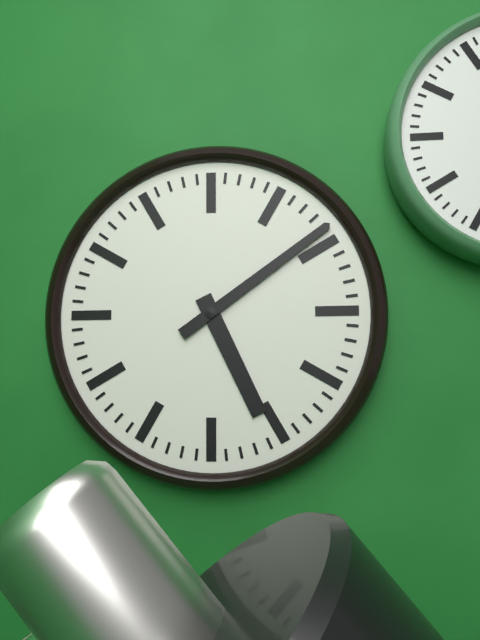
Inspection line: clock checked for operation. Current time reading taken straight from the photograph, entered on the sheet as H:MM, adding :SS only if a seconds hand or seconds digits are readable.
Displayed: 5:09
